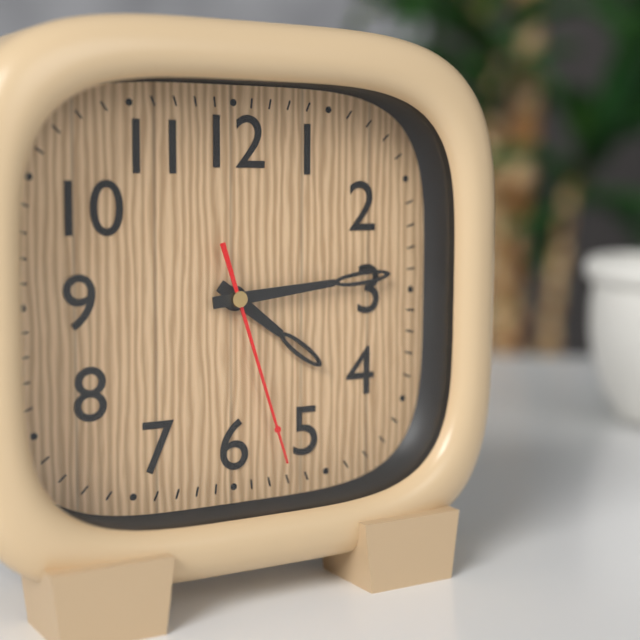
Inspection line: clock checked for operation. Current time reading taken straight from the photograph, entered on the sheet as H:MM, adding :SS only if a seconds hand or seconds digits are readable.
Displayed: 4:14:27
